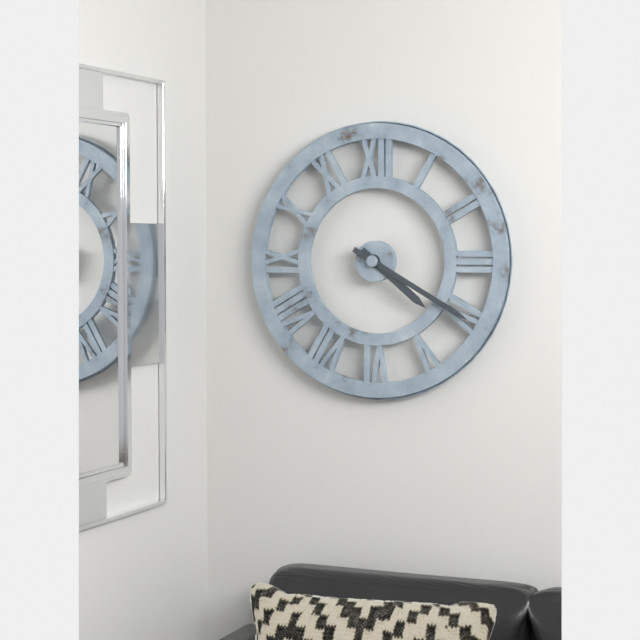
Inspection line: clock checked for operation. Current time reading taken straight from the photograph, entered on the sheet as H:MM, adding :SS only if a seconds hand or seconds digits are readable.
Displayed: 4:20
